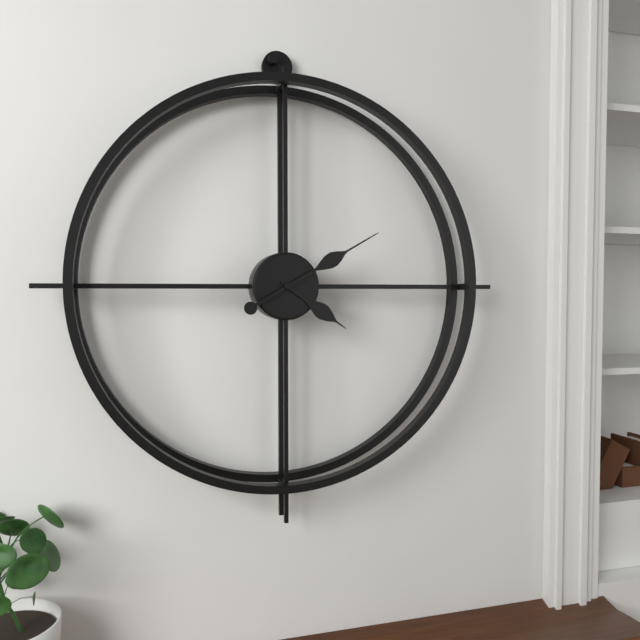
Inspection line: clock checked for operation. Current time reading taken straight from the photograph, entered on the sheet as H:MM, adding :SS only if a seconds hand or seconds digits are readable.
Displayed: 4:10
